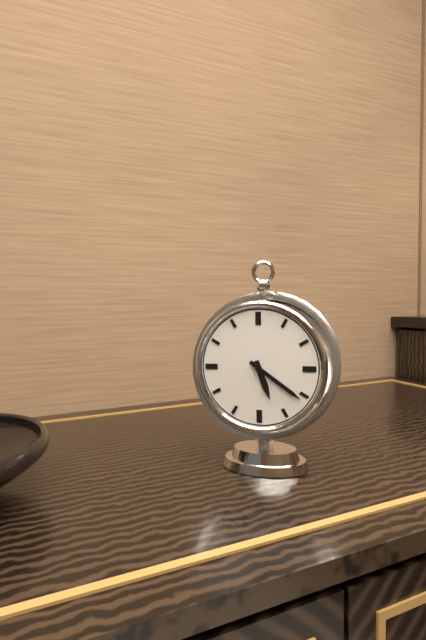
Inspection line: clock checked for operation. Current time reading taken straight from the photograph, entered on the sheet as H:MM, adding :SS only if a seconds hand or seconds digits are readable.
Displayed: 5:21
